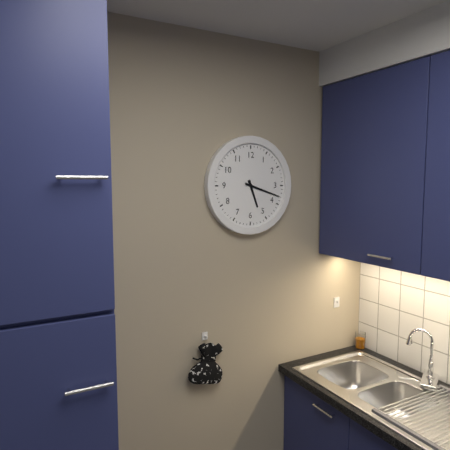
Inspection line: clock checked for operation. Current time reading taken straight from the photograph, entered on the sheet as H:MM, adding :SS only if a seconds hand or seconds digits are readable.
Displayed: 5:18
